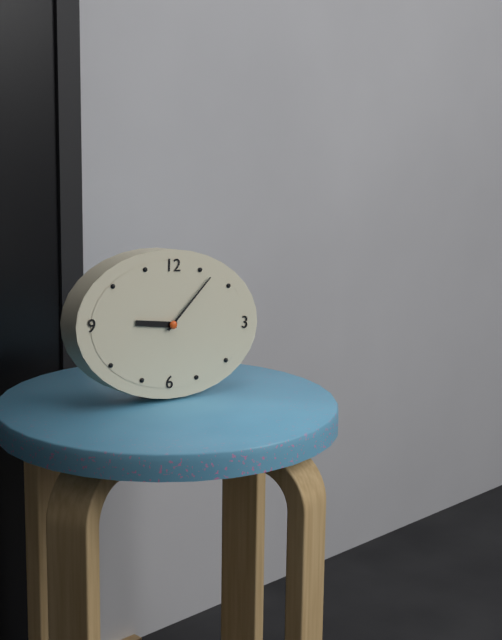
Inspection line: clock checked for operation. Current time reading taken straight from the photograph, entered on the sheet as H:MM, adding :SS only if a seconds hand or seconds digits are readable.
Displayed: 9:07
